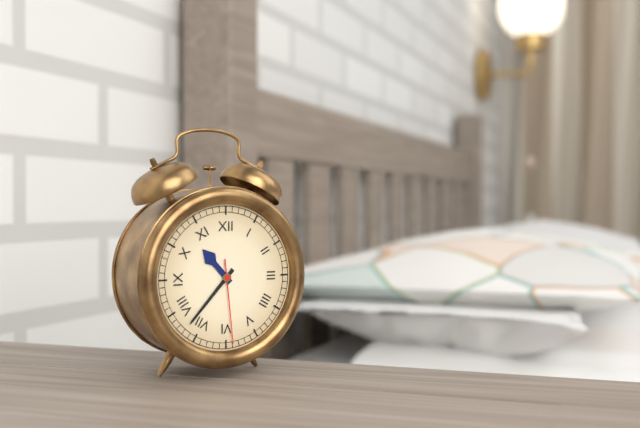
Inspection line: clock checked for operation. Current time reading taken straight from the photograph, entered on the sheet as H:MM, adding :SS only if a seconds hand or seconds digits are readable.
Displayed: 10:37:29
